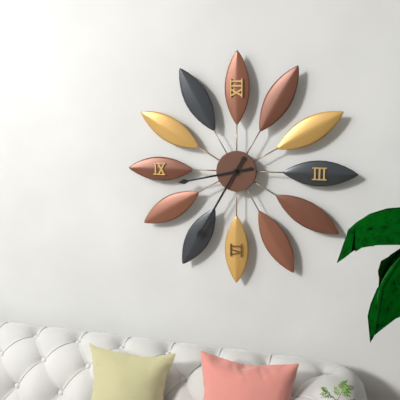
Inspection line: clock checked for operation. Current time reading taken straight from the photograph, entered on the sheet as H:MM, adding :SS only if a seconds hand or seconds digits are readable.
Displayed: 8:35
